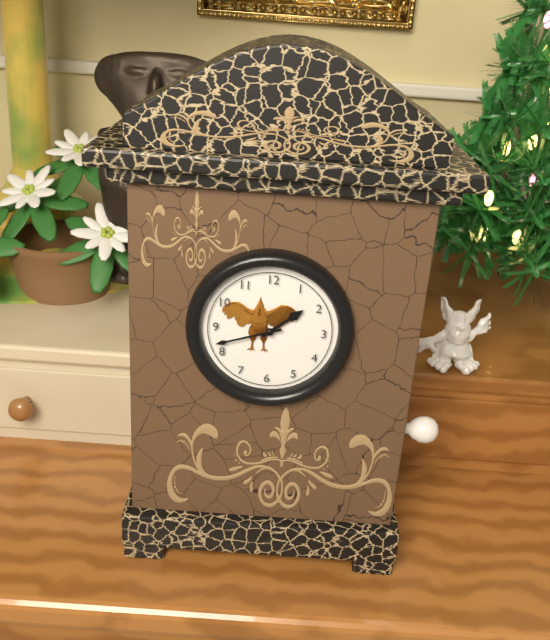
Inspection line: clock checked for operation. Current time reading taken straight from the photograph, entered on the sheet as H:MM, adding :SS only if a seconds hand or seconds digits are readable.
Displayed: 1:42
